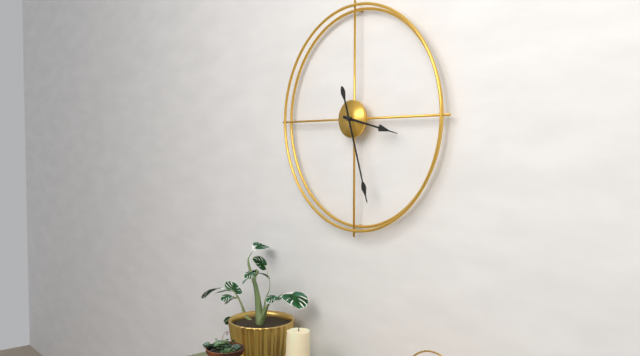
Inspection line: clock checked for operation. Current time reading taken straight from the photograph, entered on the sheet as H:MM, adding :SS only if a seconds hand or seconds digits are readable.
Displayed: 3:27
